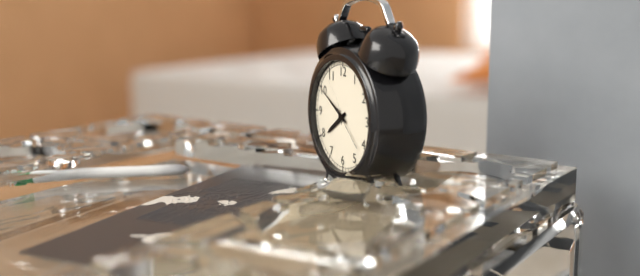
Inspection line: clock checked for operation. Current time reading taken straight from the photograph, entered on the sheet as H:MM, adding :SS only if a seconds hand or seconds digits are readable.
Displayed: 7:50
